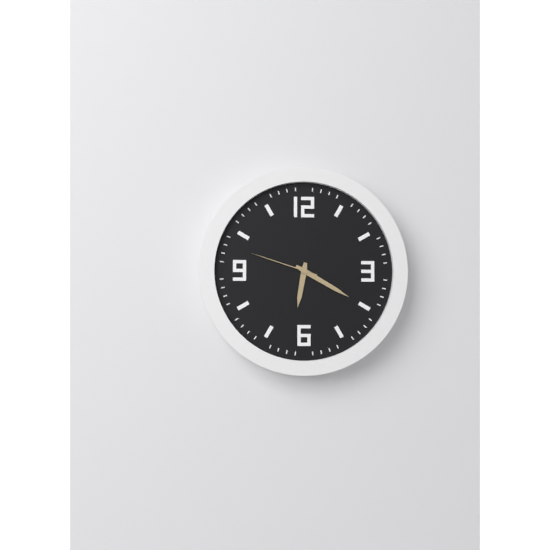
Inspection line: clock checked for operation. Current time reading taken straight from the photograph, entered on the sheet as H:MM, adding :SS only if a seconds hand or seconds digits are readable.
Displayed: 6:20:48
